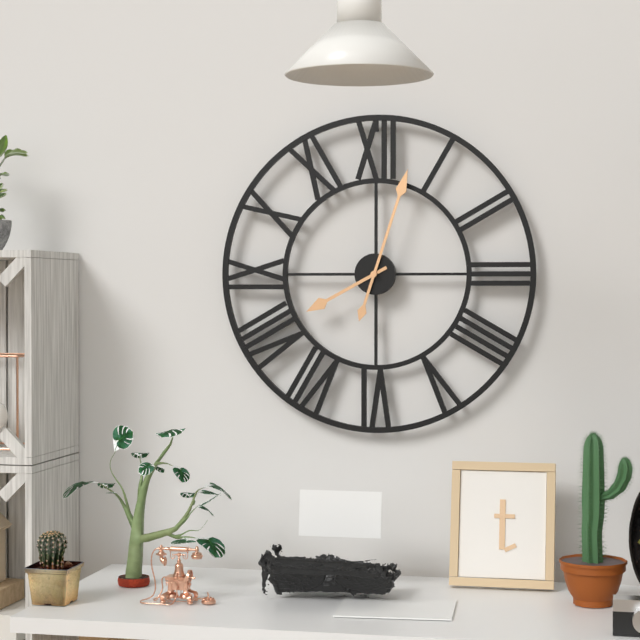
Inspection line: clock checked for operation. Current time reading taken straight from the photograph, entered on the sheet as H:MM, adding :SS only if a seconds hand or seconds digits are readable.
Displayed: 8:03
